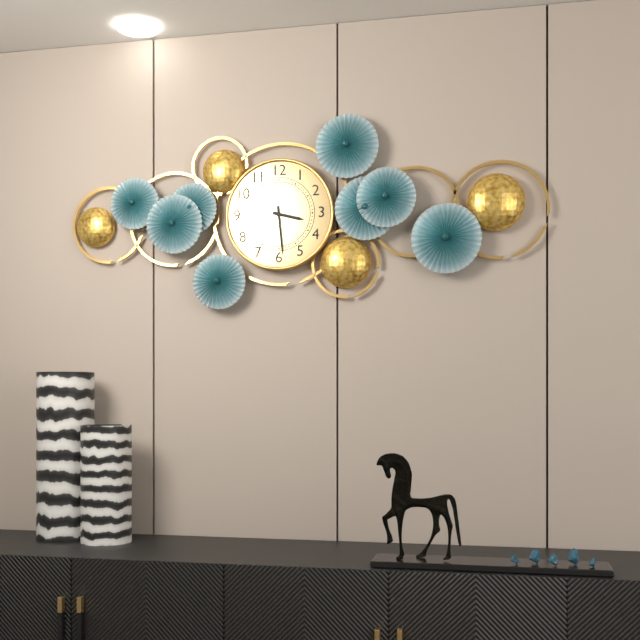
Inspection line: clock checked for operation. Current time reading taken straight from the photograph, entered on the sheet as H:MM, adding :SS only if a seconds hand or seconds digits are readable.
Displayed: 3:29
